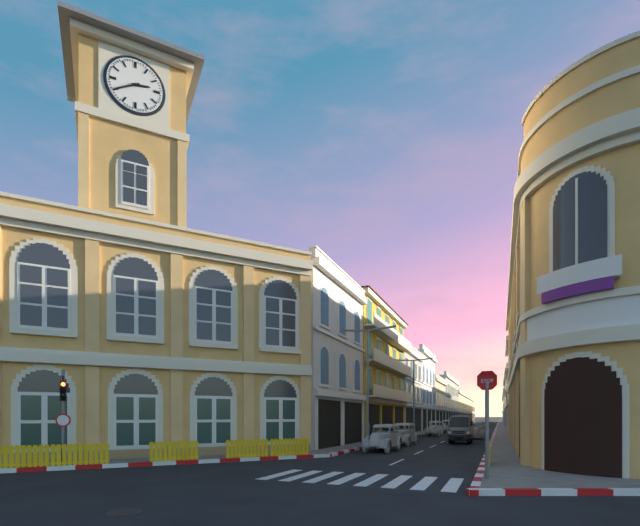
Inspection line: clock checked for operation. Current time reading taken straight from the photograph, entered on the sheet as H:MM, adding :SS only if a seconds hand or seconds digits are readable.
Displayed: 2:40
